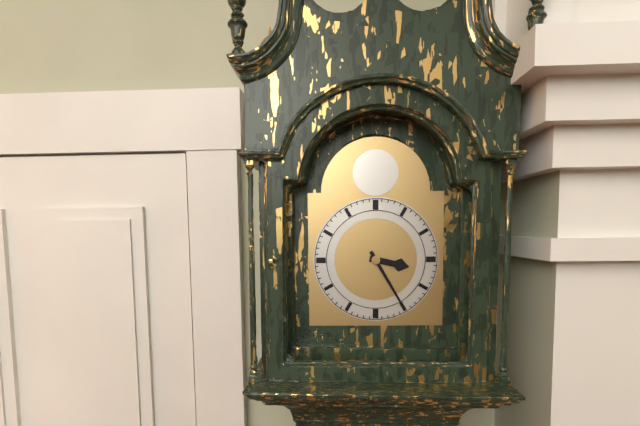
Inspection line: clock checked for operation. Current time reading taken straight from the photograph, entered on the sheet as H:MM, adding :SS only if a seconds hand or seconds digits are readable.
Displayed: 3:25
